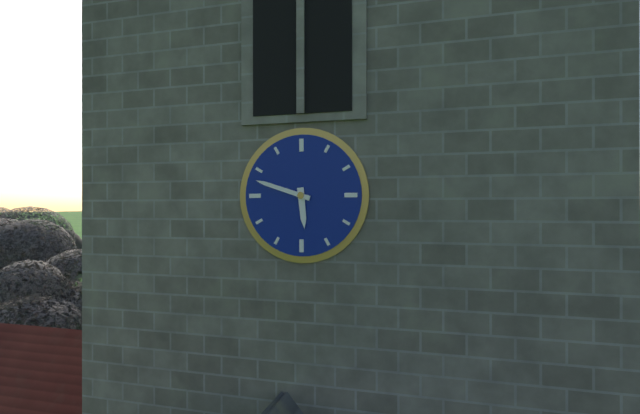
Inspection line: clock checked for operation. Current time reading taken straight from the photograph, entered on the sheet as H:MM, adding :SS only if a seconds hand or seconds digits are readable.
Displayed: 5:48
